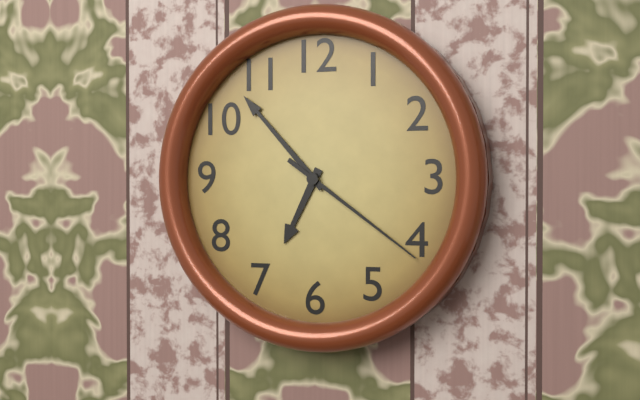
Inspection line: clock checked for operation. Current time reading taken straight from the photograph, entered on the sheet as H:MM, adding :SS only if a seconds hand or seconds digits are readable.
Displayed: 6:53:21
